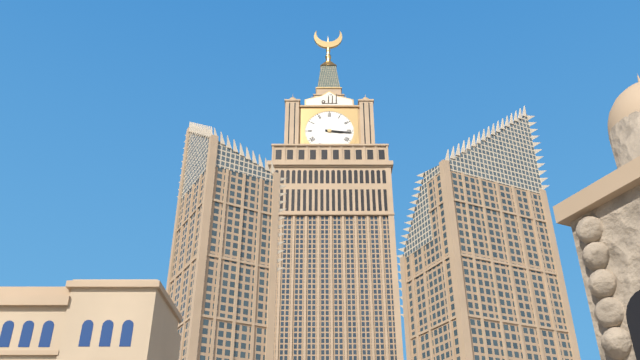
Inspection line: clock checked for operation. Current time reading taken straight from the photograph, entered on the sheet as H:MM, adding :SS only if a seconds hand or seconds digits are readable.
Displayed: 3:16
